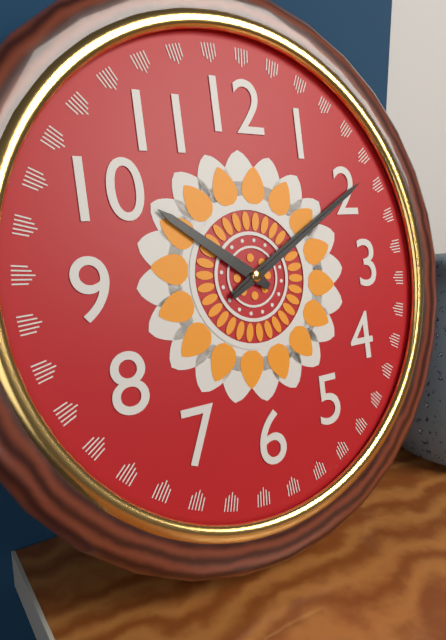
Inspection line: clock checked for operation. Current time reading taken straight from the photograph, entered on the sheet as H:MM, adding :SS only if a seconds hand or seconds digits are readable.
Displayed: 10:10:10
